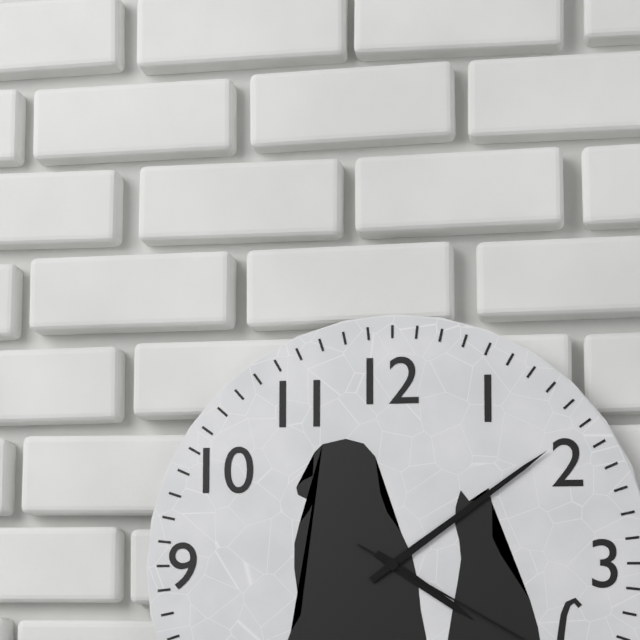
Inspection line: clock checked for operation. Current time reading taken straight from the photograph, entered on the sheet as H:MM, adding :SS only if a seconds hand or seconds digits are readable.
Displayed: 4:09
